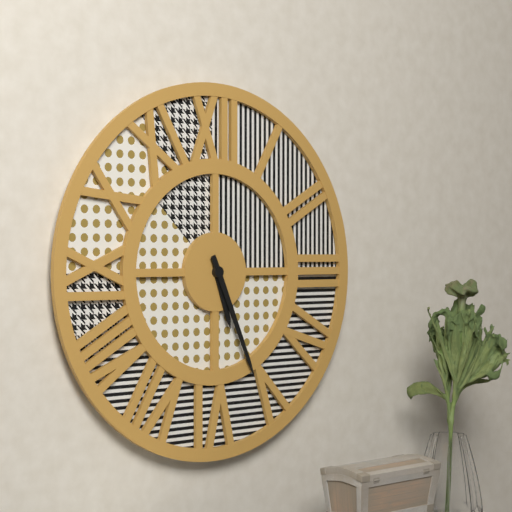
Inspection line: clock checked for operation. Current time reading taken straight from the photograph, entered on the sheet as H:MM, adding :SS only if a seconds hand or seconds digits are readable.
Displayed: 5:26
